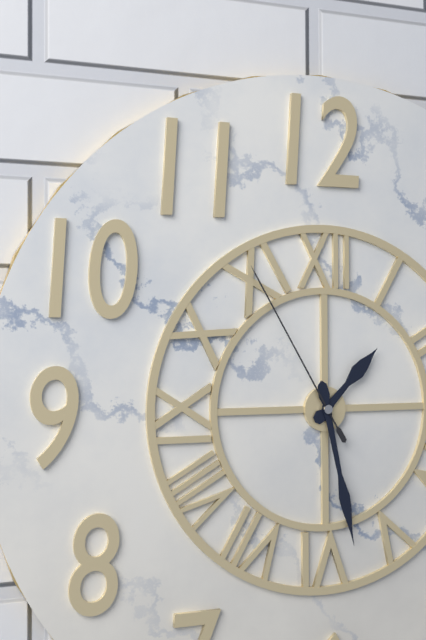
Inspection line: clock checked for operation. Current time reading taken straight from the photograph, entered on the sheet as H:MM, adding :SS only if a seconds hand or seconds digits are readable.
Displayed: 1:28:55
